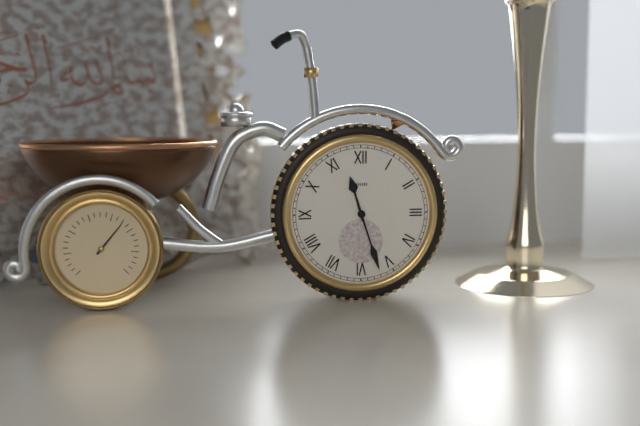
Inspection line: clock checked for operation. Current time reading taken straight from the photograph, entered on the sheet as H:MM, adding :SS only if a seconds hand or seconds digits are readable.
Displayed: 11:27
